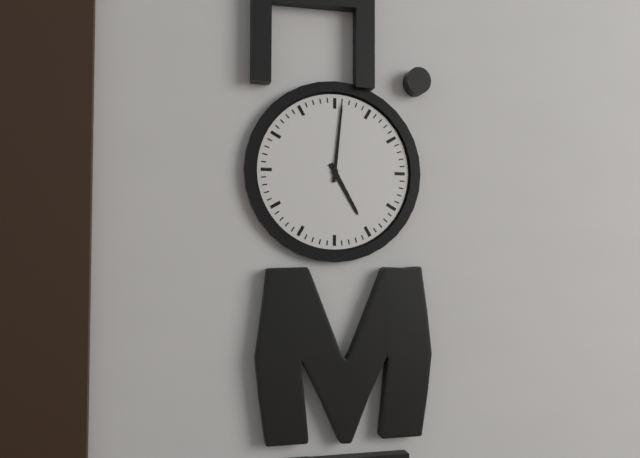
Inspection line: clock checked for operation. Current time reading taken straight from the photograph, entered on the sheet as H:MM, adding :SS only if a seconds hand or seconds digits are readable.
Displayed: 5:01
